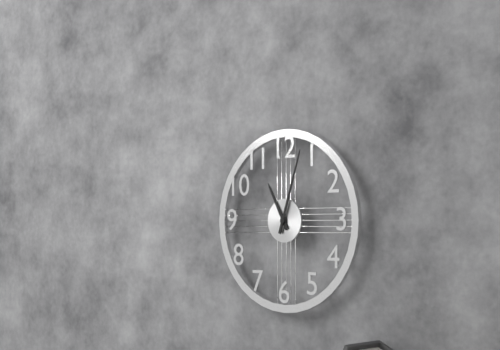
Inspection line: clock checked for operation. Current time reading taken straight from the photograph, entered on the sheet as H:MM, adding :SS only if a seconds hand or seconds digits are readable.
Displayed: 11:03
